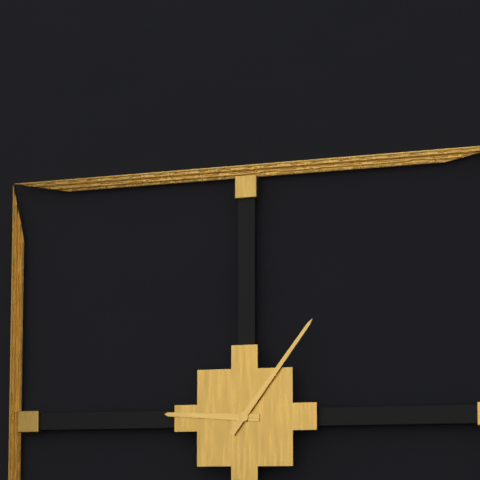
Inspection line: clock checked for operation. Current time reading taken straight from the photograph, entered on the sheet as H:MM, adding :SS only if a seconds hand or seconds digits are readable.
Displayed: 9:06
